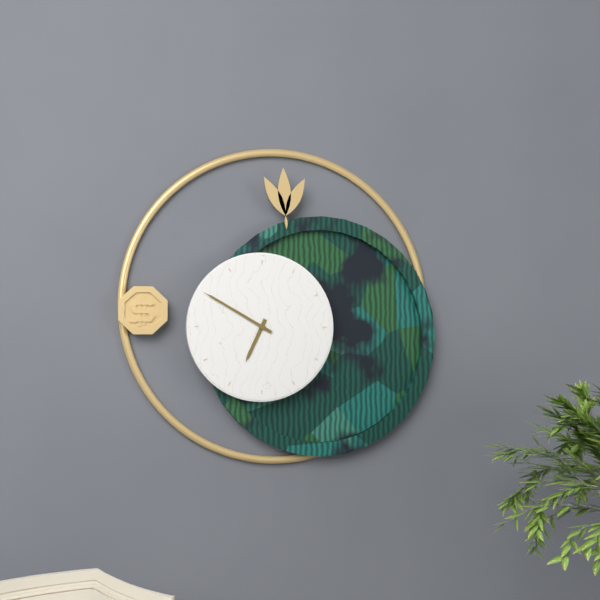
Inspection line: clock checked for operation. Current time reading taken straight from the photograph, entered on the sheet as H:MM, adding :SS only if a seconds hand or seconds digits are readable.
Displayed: 6:50
